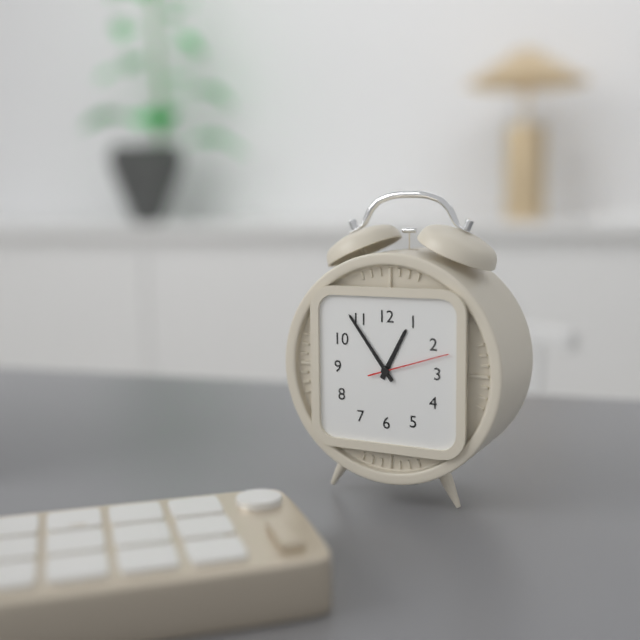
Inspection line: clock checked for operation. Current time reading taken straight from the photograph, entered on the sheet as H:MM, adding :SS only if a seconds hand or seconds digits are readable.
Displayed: 12:54:12
